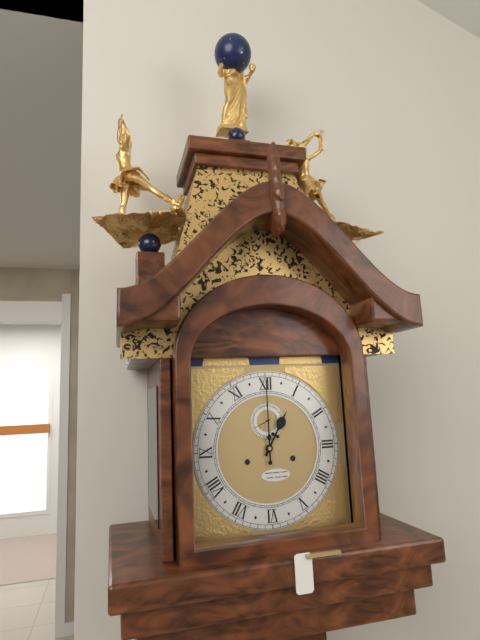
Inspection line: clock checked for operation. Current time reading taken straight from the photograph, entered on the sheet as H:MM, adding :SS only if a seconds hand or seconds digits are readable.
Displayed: 1:00
